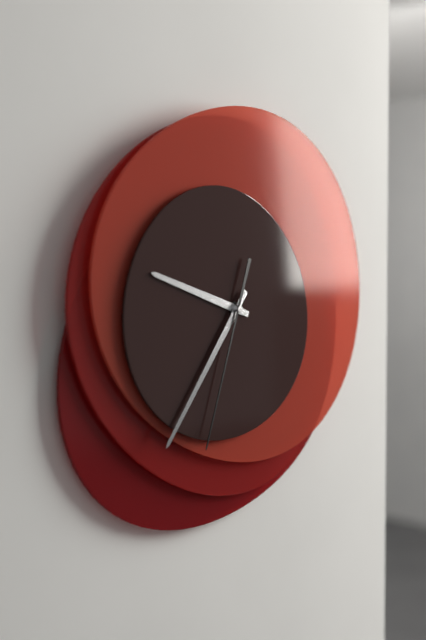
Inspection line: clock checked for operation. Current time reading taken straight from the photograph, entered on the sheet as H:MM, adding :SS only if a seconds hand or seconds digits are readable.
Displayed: 9:36:33
